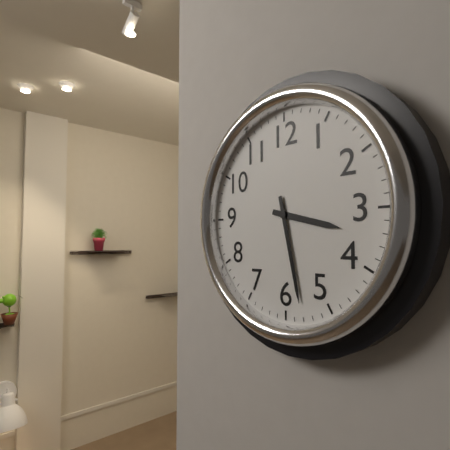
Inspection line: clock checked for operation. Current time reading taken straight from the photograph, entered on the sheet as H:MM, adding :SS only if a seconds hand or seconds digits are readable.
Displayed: 3:28
